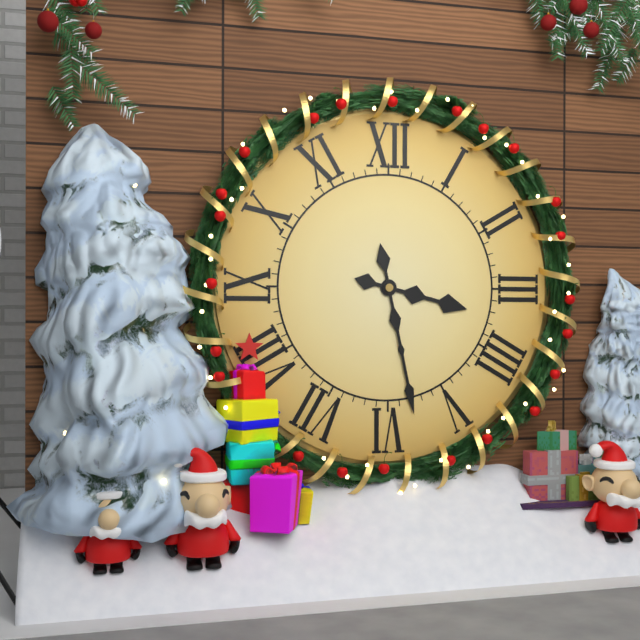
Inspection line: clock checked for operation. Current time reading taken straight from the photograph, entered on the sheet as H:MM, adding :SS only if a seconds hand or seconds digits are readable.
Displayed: 3:28
